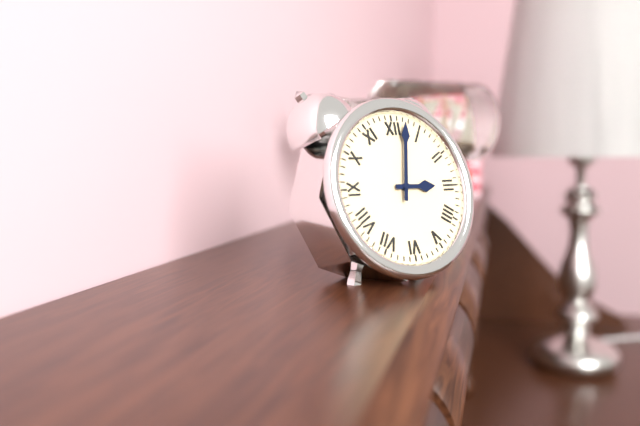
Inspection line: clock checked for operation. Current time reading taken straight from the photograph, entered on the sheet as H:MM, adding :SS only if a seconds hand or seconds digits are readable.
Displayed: 3:02
